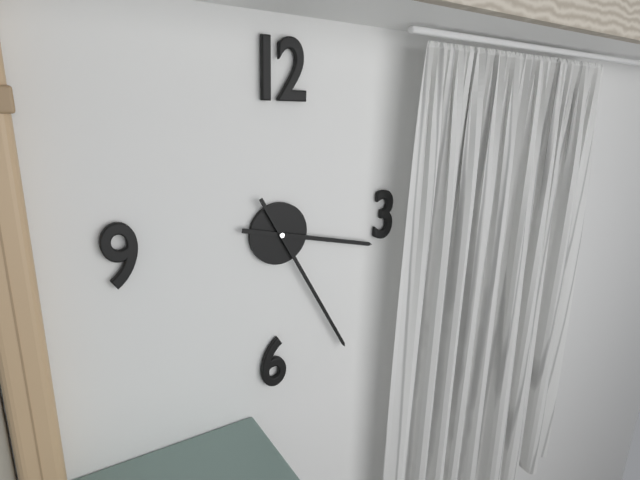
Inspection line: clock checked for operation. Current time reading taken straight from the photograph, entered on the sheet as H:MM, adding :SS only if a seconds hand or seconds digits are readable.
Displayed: 3:25
